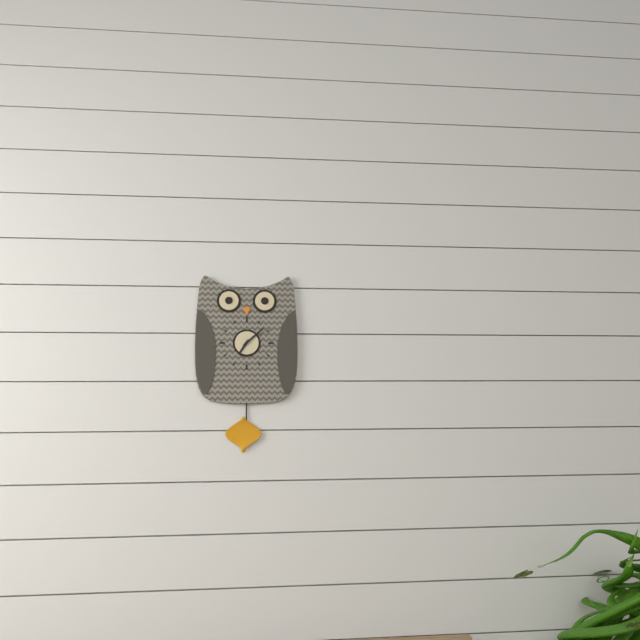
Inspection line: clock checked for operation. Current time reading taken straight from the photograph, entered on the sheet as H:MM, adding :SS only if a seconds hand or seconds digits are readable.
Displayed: 7:08
